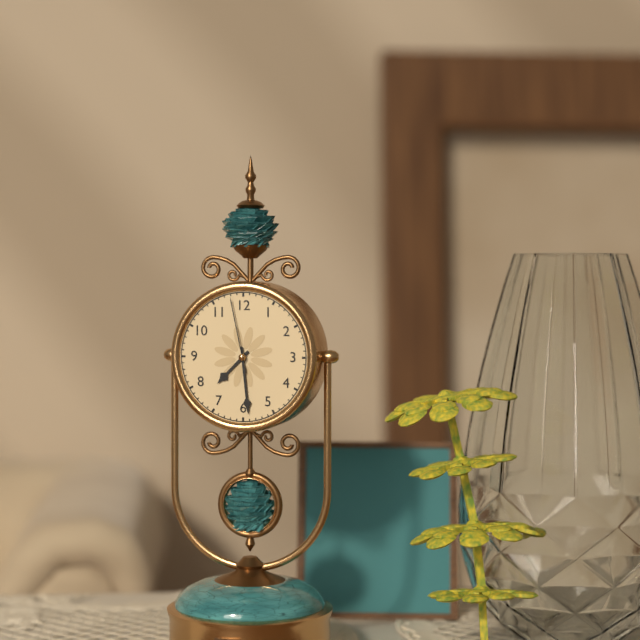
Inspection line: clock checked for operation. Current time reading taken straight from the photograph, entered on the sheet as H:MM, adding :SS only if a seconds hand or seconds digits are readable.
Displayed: 7:29:58
